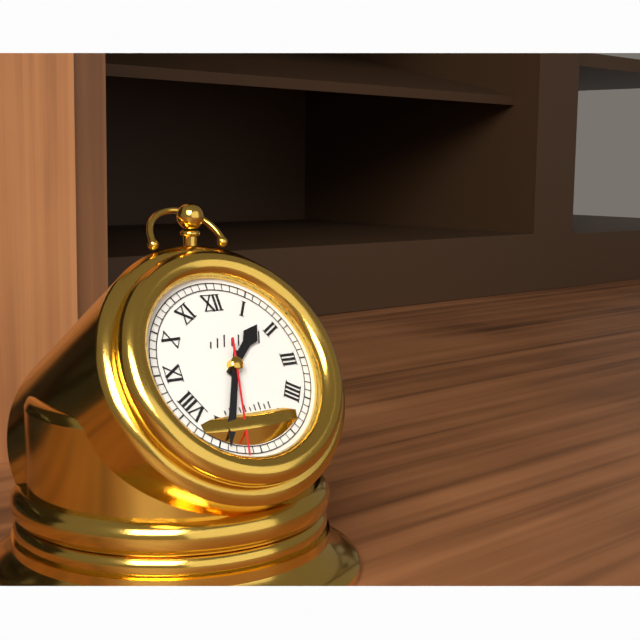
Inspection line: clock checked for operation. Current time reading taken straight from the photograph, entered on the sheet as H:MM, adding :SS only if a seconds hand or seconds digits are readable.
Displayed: 1:34:32
